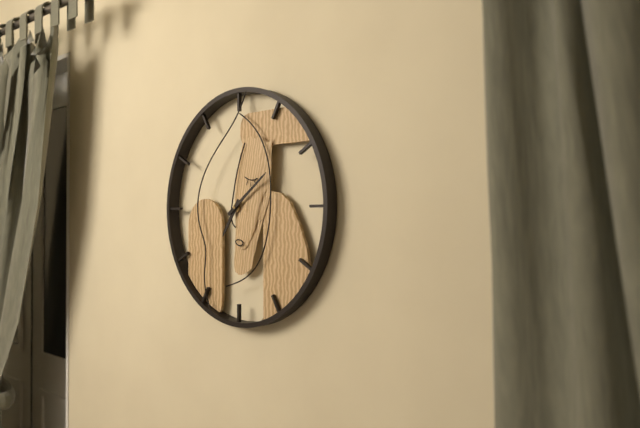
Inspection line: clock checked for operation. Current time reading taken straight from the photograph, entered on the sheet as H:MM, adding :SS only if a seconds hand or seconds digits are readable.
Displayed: 7:09
